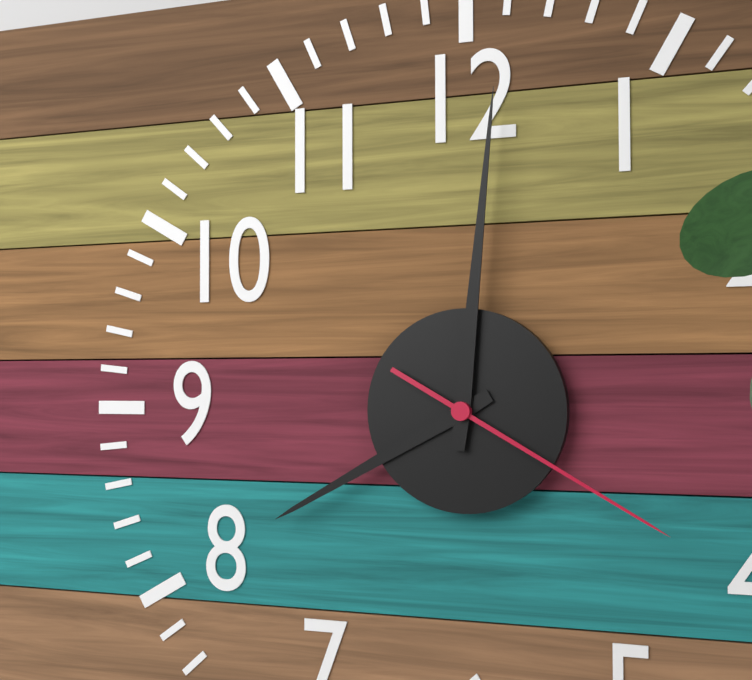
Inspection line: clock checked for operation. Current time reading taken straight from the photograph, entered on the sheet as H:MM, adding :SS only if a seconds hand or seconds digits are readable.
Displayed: 8:01:20
